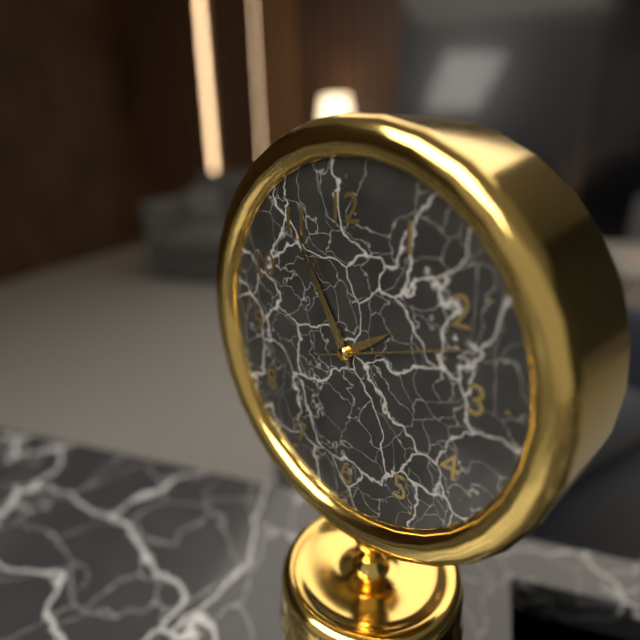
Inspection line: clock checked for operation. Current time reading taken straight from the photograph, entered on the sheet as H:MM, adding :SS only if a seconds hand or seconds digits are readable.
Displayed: 1:55:12
